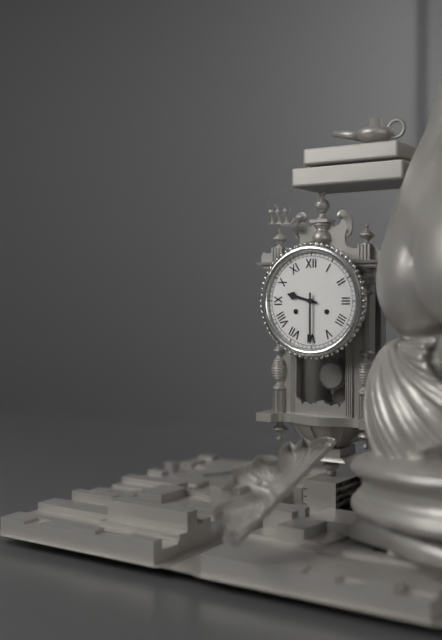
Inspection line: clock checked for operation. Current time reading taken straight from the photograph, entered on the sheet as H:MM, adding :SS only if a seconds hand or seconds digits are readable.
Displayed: 9:30
